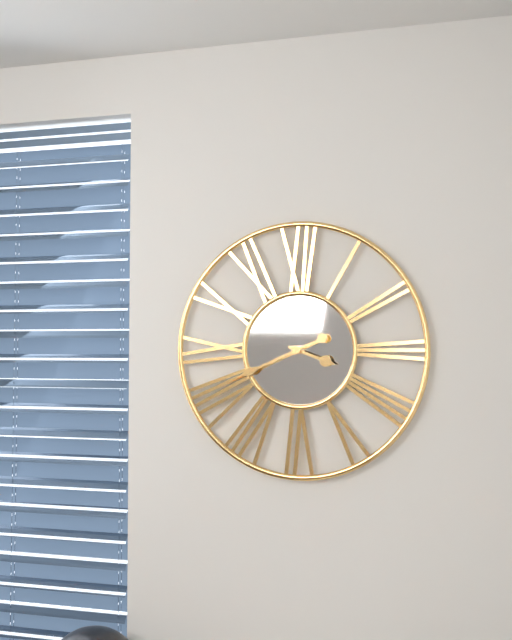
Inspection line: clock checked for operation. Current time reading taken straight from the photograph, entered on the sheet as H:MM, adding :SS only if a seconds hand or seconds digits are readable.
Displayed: 3:41
